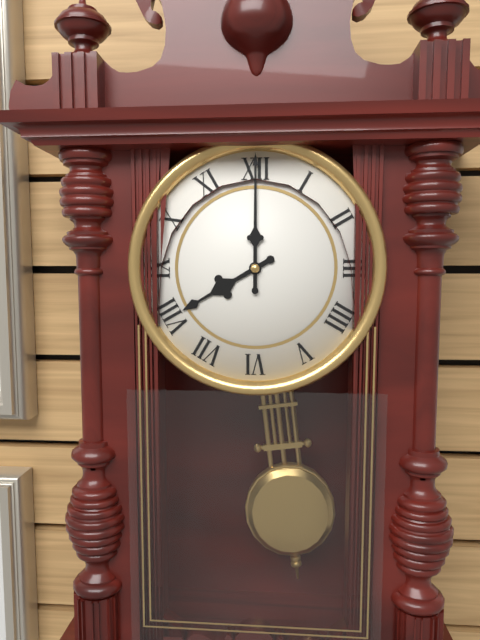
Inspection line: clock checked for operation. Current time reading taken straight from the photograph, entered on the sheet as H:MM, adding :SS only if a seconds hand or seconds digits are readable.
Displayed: 8:00
